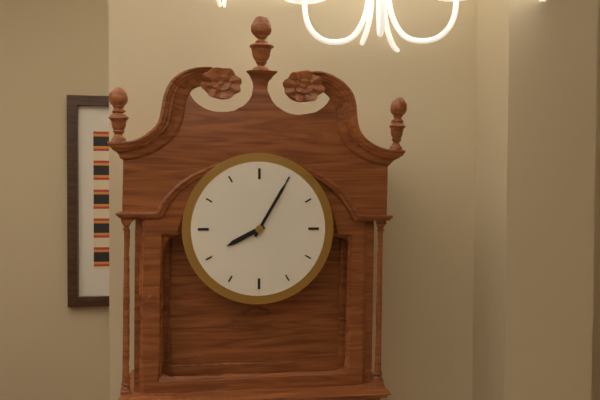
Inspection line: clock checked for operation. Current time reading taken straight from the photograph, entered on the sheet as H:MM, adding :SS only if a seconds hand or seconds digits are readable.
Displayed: 8:05
